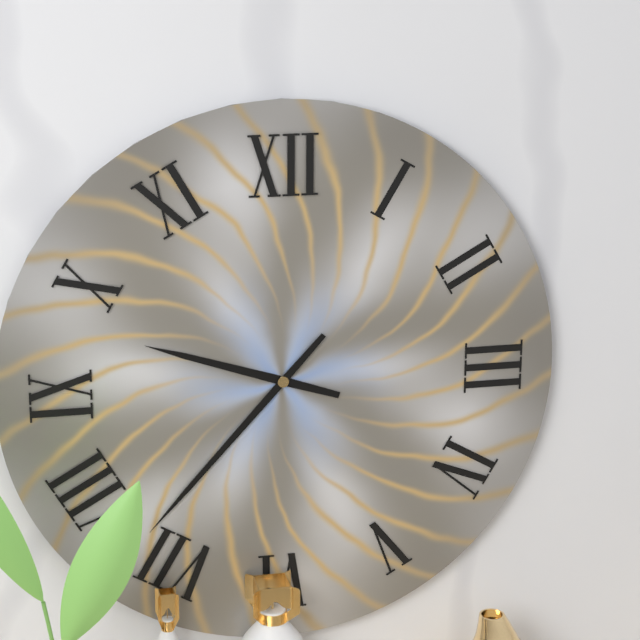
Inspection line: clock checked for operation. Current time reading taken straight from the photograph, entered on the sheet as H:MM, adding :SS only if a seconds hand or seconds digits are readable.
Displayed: 9:37
